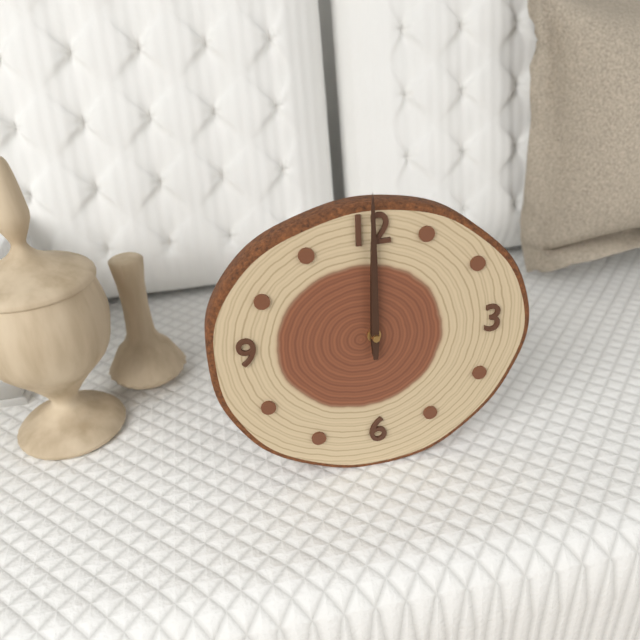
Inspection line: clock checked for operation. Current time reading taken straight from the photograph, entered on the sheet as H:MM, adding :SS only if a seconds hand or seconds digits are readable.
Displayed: 12:00
